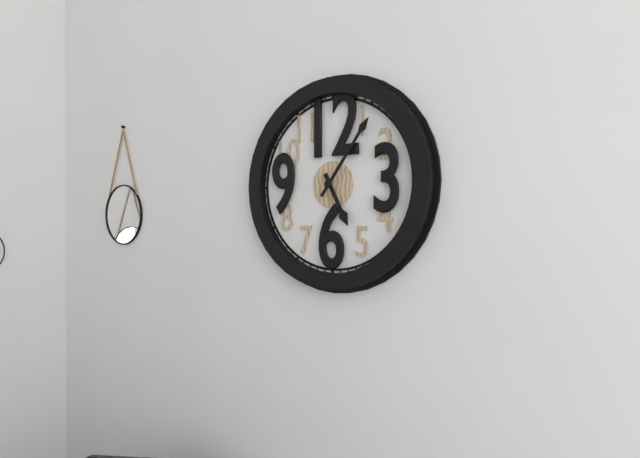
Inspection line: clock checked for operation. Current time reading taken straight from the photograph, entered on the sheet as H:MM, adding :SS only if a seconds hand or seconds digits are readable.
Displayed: 5:06
